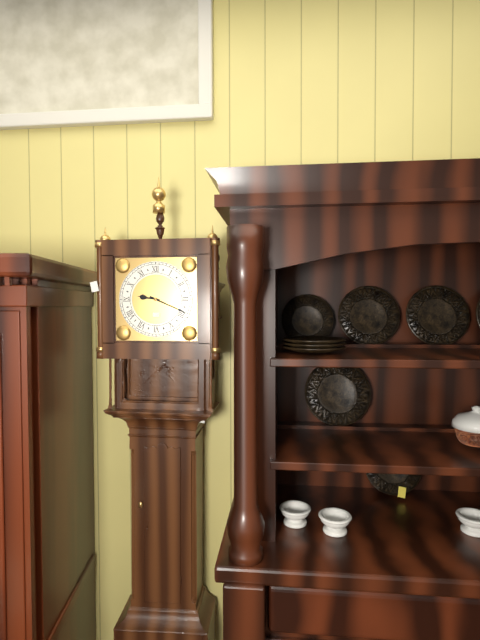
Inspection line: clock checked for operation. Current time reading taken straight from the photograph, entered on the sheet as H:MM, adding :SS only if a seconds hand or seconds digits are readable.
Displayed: 9:19
